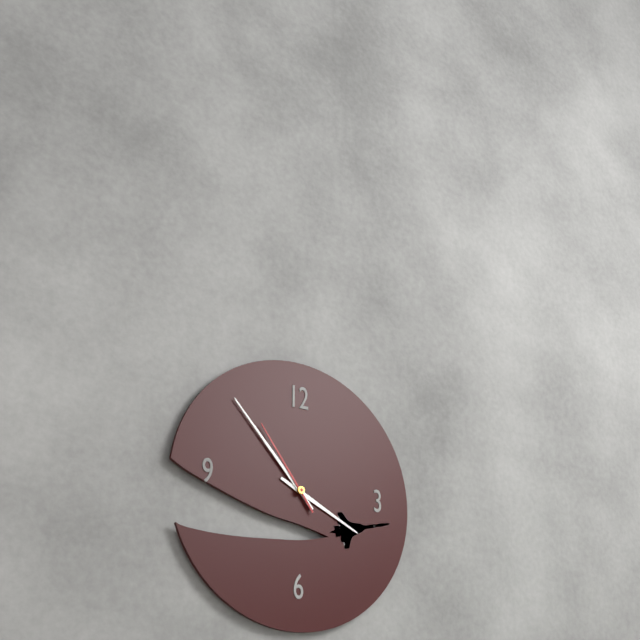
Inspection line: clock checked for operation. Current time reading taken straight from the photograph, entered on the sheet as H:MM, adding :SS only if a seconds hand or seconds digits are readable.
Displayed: 3:53:54
